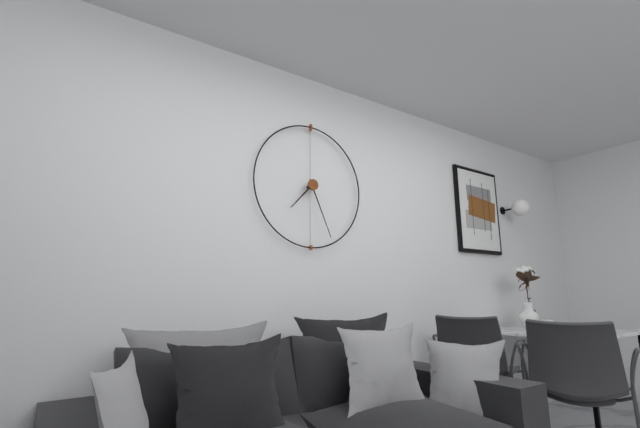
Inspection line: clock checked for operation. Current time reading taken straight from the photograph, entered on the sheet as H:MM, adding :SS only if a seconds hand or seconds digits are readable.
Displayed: 7:26
